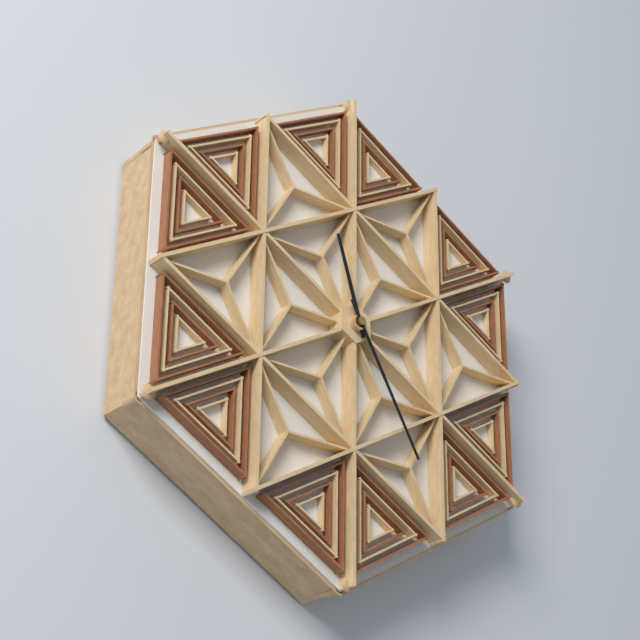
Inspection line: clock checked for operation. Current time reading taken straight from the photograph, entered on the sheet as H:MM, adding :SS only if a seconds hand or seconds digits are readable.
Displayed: 11:25
